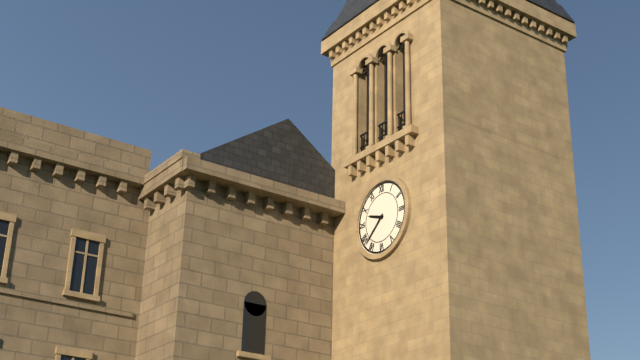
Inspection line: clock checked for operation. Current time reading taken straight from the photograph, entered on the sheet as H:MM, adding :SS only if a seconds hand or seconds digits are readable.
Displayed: 9:38
